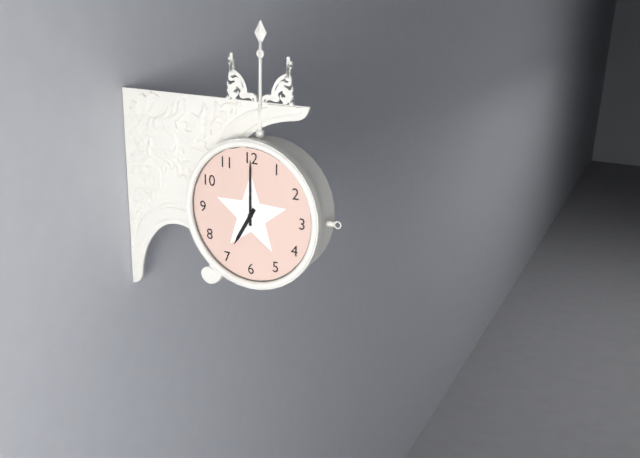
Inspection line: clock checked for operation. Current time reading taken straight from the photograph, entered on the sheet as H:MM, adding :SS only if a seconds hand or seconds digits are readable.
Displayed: 7:00
